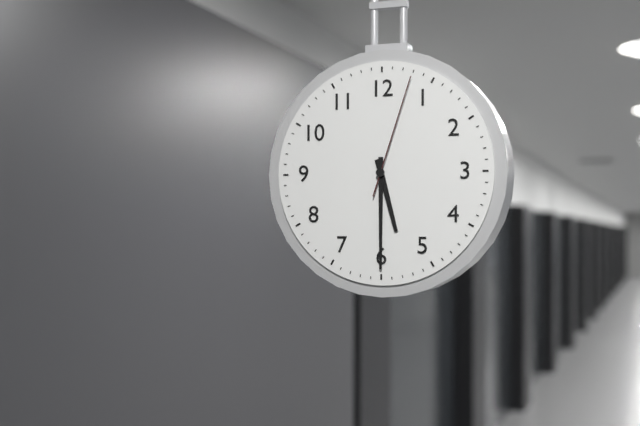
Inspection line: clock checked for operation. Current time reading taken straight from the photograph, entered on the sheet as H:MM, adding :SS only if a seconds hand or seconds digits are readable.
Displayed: 5:30:03
